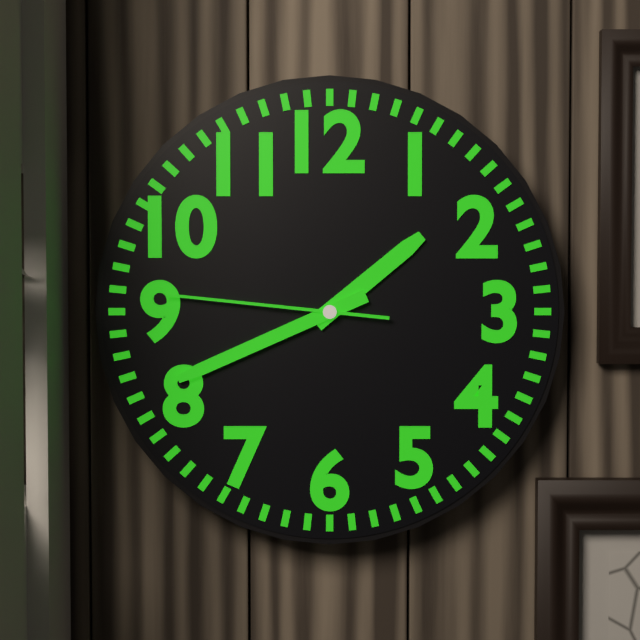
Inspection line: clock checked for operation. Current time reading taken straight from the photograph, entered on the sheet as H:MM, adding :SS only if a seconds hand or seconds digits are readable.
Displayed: 1:41:46
